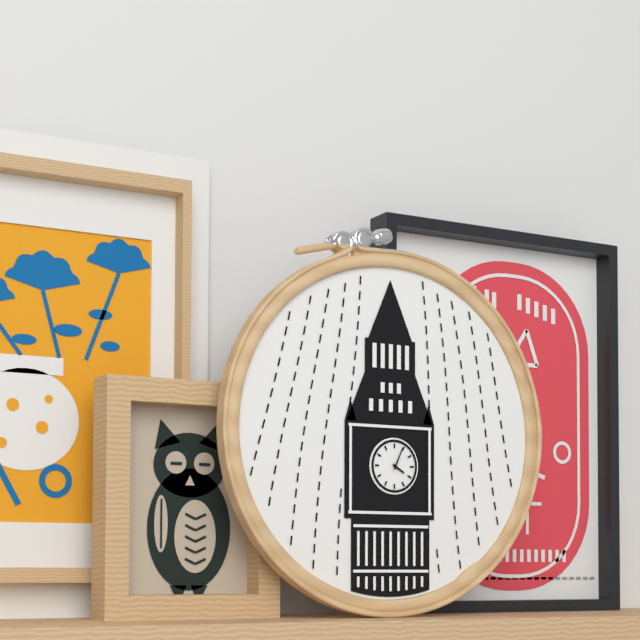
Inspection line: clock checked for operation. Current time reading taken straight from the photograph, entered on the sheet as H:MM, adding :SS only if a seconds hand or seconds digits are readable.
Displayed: 4:04
